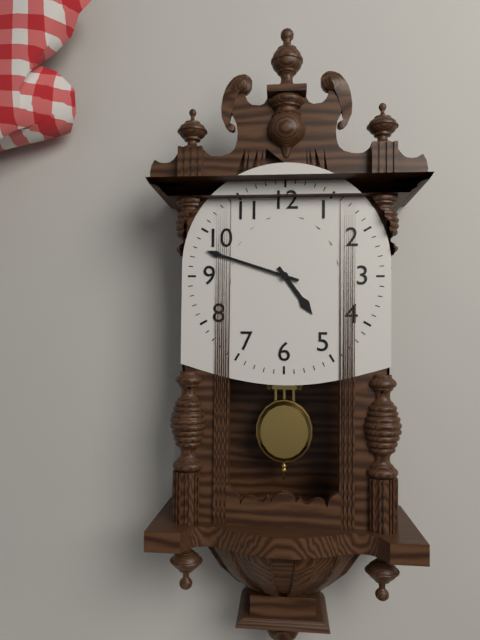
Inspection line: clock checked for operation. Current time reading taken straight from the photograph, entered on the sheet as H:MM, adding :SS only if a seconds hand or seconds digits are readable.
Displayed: 4:48
